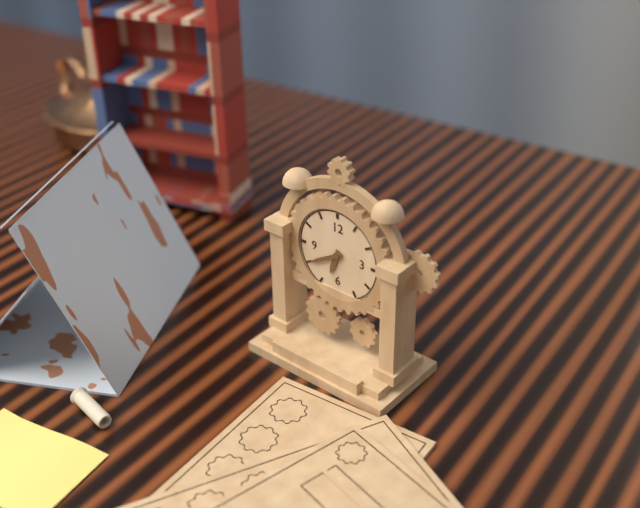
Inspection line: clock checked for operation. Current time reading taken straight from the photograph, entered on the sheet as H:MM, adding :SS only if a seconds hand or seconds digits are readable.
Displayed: 6:40
